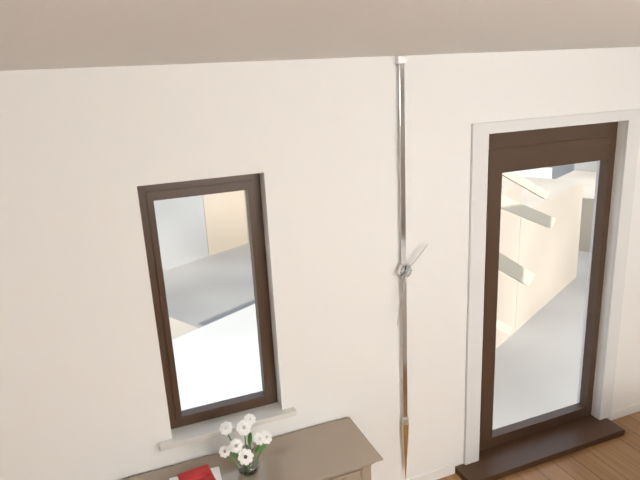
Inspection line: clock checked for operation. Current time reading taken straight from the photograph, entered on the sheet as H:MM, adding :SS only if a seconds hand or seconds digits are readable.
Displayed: 1:32
